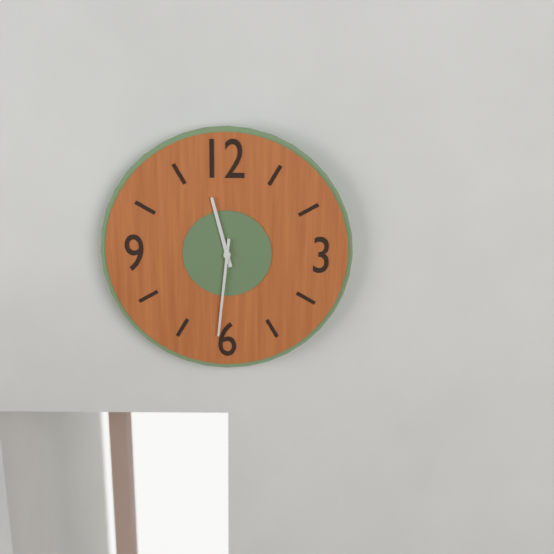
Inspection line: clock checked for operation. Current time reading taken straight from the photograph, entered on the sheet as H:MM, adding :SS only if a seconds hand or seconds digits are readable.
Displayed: 11:31
